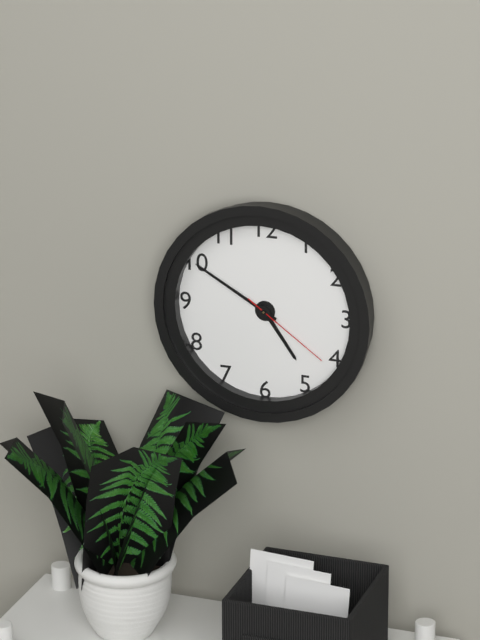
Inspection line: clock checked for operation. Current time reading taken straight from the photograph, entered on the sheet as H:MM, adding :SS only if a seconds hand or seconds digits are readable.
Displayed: 4:50:21
